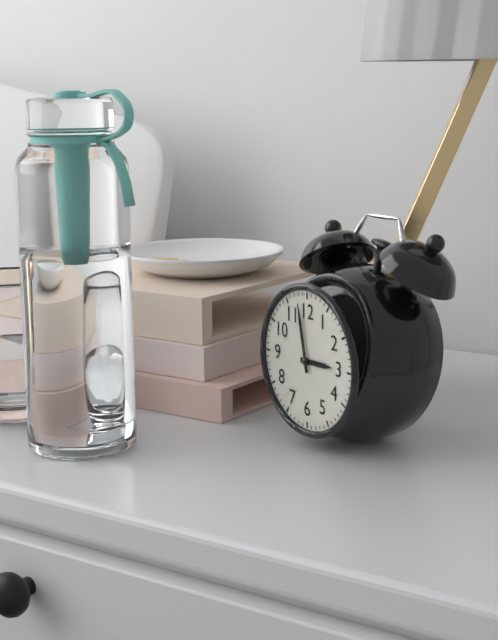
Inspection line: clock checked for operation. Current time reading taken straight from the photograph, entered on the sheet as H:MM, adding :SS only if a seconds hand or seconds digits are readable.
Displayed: 2:58
